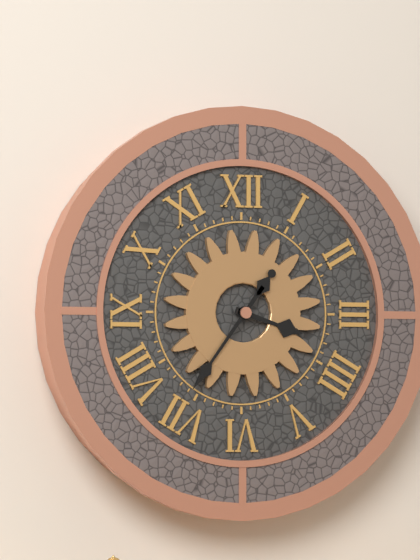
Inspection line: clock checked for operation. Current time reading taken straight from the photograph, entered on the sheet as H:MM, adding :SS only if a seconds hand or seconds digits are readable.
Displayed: 3:36
